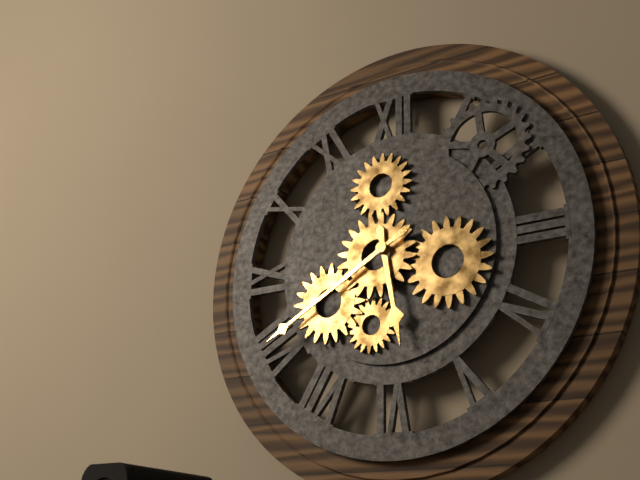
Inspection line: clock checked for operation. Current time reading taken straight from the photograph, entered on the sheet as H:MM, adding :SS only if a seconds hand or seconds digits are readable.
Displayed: 5:40
